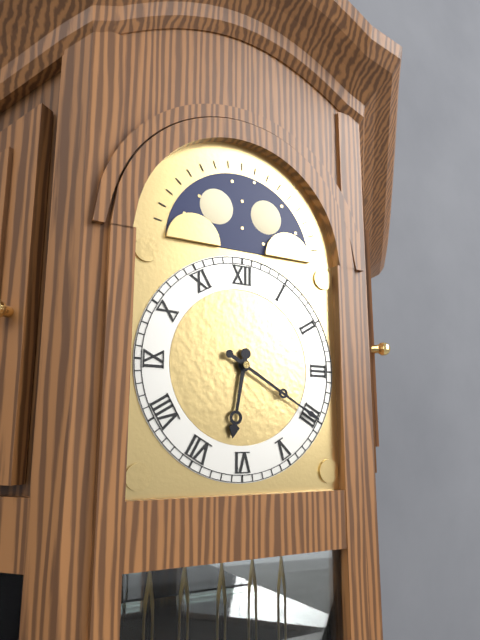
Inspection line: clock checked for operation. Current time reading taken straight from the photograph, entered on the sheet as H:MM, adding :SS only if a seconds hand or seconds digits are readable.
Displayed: 6:20
